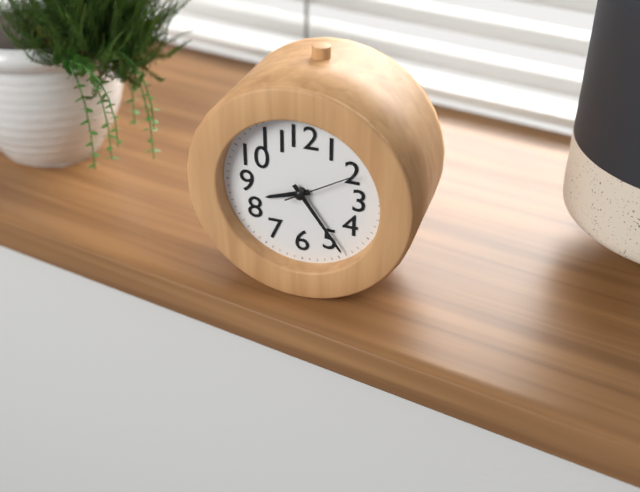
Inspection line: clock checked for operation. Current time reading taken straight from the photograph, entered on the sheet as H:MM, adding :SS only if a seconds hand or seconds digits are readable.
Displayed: 8:24:10
